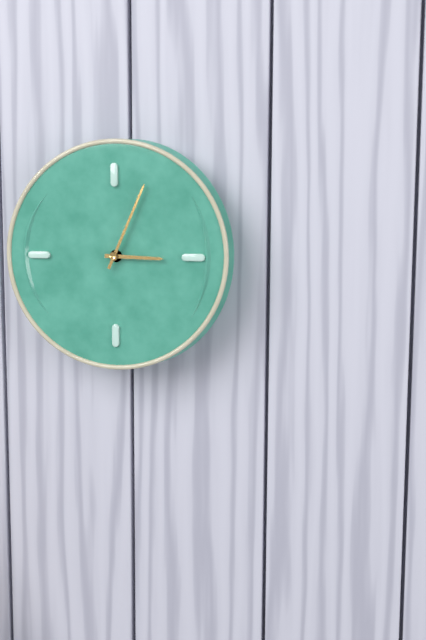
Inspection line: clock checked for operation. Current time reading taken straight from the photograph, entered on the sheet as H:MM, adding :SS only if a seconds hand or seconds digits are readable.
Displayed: 3:04
